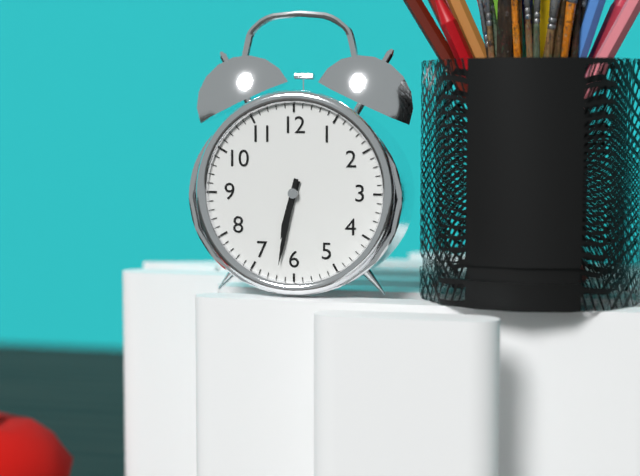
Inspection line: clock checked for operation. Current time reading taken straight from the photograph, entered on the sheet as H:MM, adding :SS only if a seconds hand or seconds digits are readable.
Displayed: 6:32
